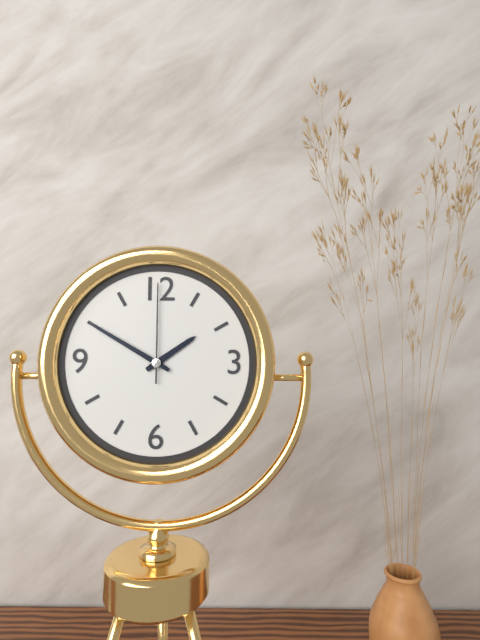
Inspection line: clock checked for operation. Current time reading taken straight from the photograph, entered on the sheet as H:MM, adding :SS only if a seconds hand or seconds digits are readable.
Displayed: 1:50:00
